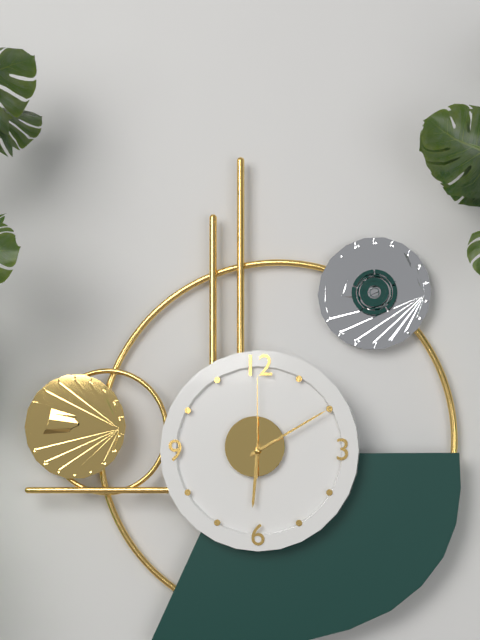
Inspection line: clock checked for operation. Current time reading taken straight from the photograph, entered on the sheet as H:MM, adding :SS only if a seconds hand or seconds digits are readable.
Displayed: 6:10:00
